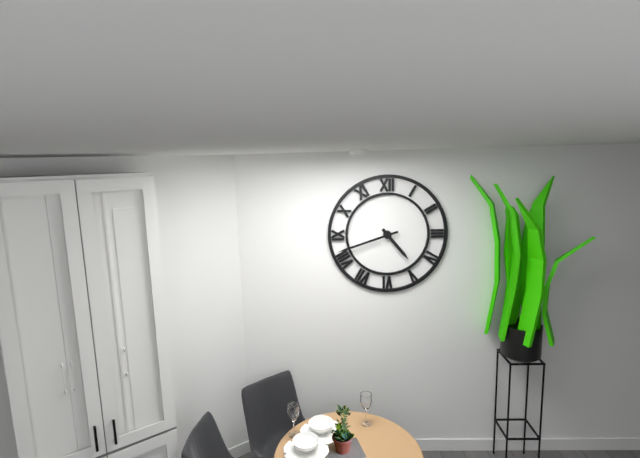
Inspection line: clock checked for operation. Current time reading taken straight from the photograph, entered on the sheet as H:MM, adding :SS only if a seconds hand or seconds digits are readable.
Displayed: 4:42
